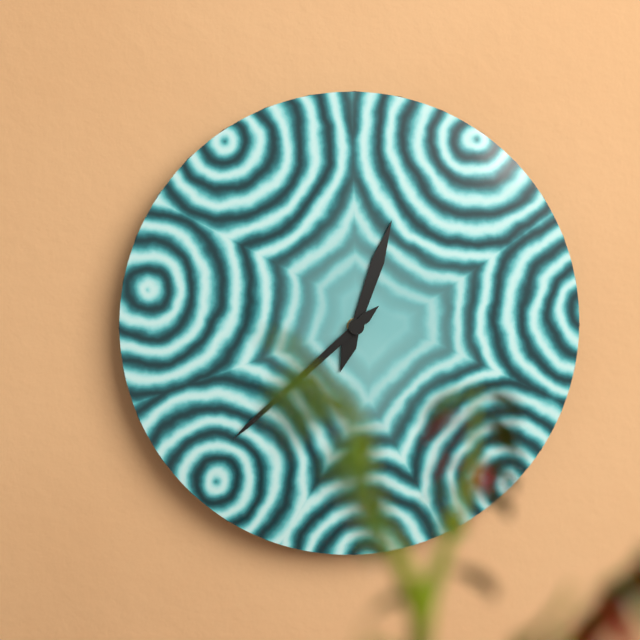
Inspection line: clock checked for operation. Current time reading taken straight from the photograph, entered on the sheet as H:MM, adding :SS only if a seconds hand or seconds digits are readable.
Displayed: 12:38
